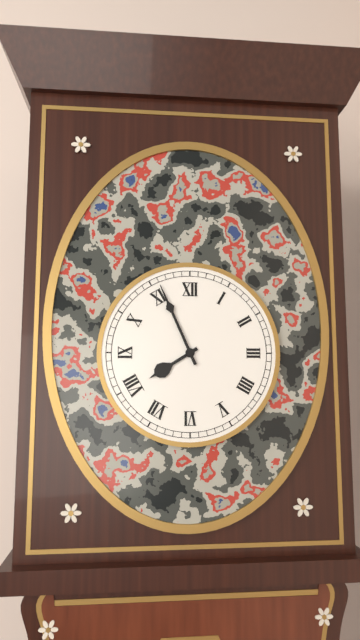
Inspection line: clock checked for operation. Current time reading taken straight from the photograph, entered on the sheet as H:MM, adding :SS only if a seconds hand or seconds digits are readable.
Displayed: 7:56
